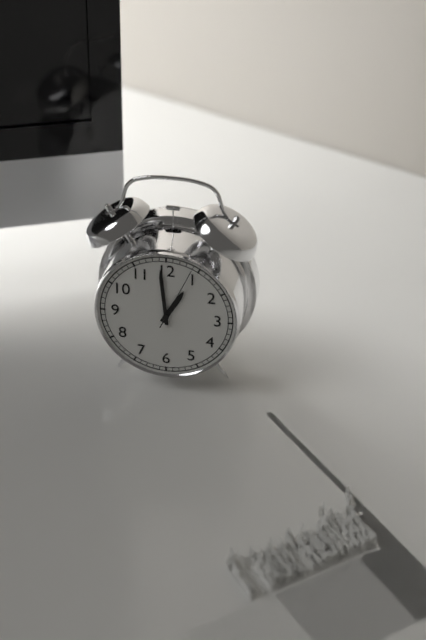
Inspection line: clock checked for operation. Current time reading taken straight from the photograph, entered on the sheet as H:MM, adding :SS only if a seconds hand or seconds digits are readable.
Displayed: 12:59:04
